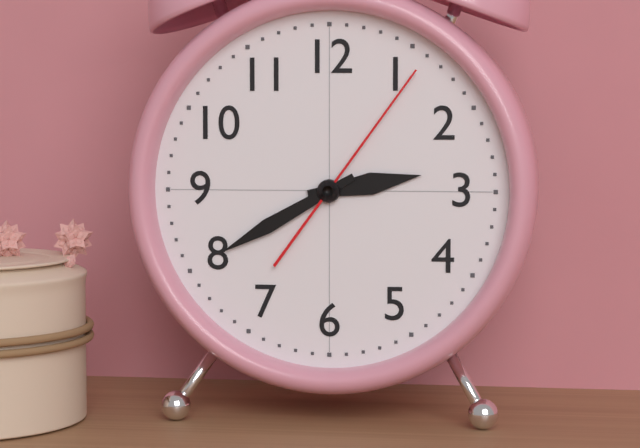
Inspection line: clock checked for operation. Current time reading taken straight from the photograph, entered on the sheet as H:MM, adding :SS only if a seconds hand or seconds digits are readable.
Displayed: 2:40:06
